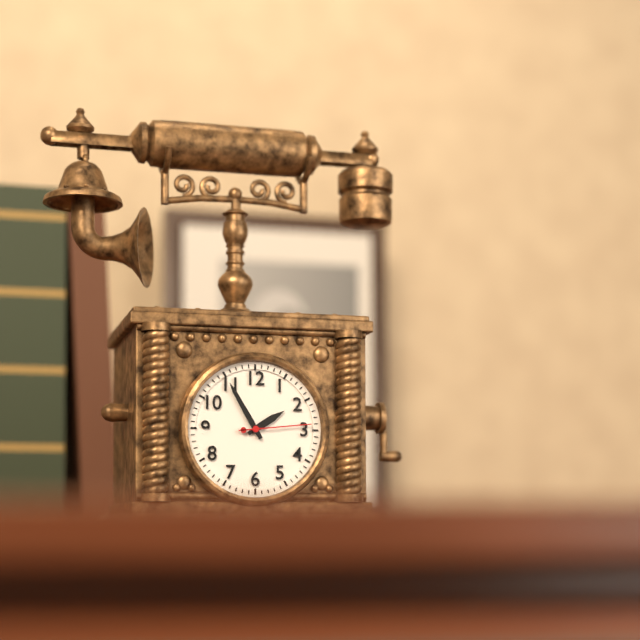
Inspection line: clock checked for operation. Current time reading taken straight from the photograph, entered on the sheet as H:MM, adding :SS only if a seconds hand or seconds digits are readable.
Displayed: 1:55:14
